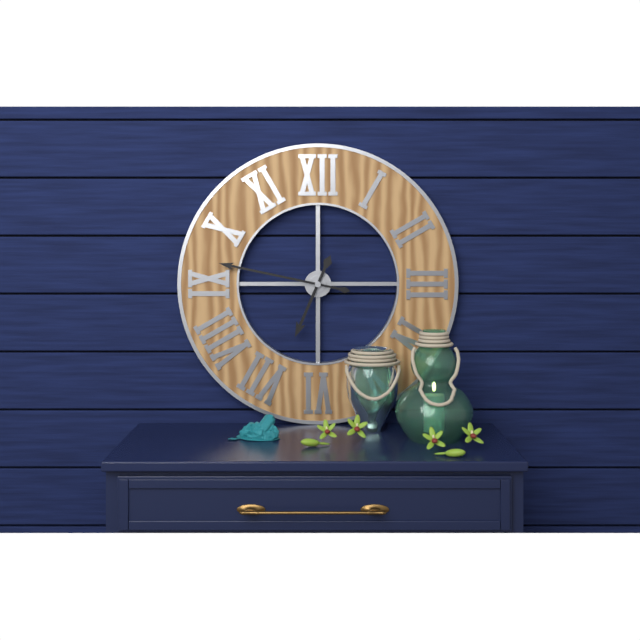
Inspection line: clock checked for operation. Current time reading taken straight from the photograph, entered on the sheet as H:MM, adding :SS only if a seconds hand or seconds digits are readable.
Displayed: 6:47
